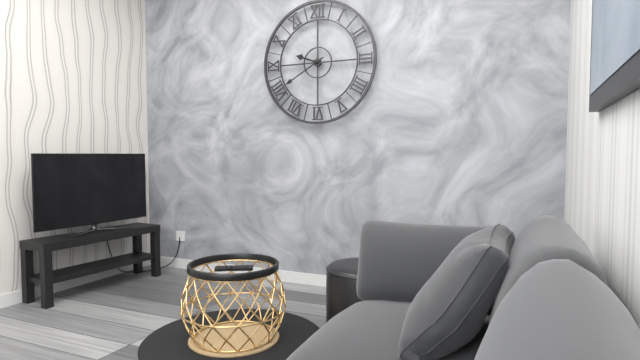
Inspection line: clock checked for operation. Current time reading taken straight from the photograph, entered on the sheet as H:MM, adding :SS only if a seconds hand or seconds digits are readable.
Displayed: 9:40
